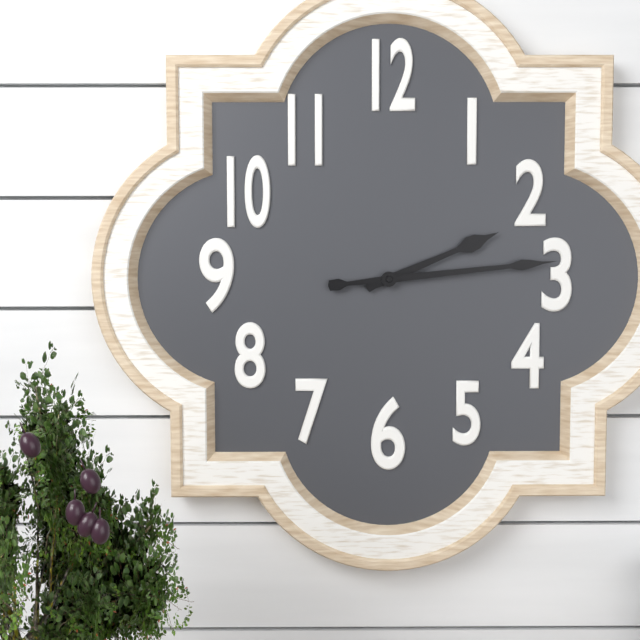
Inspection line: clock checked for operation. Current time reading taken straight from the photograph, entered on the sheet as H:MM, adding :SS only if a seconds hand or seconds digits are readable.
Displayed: 2:14
